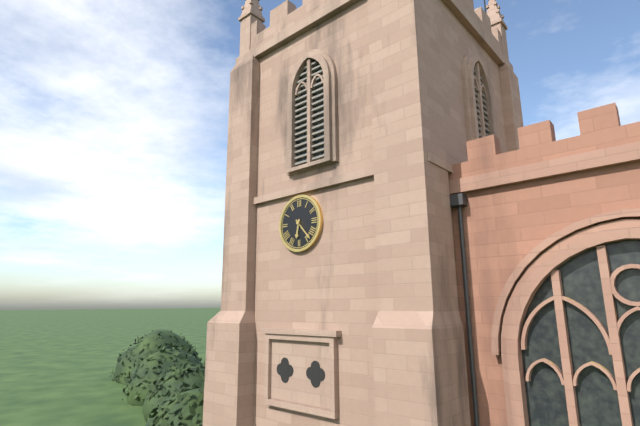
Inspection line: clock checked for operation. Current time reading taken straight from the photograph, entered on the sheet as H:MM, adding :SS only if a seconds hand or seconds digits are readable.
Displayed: 6:23
